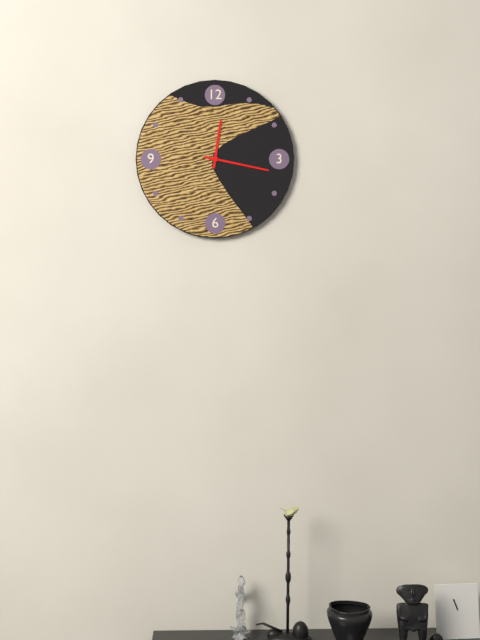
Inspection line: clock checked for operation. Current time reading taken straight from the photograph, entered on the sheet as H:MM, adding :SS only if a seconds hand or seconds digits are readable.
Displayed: 12:17
